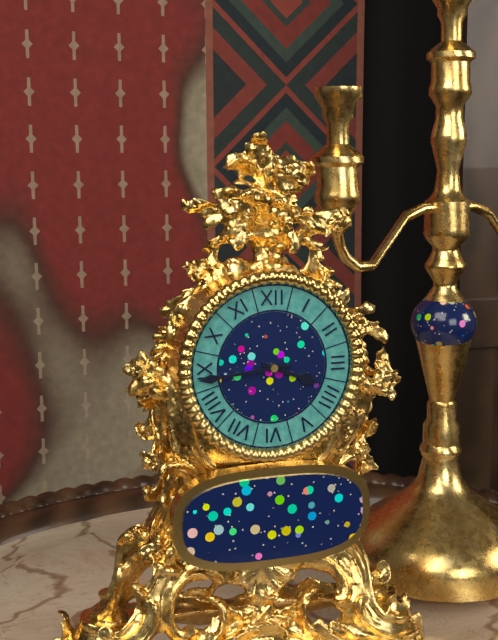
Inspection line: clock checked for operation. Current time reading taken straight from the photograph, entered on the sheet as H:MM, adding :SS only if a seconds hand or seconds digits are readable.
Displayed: 3:44
